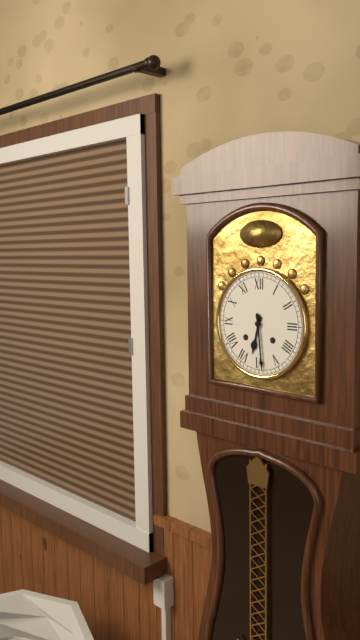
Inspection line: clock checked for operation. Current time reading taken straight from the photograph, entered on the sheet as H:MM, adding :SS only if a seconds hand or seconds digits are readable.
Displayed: 6:29
